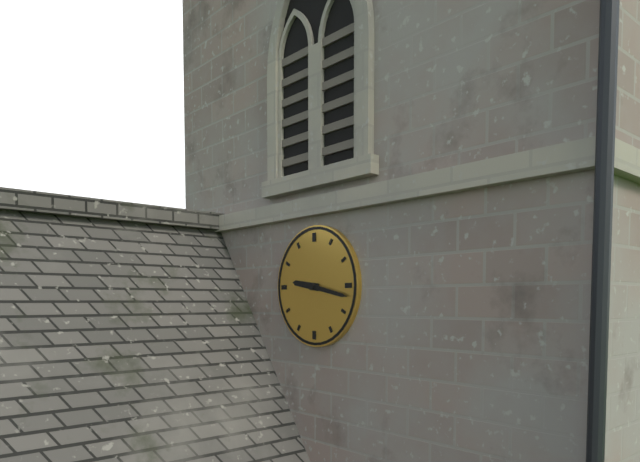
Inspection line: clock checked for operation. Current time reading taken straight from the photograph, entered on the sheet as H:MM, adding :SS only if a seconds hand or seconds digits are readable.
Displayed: 9:17
